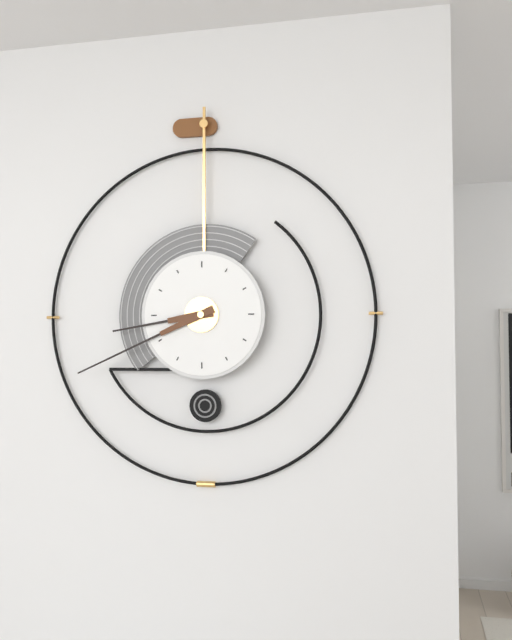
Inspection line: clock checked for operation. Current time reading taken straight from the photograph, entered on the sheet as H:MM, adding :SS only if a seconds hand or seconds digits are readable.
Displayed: 8:41
